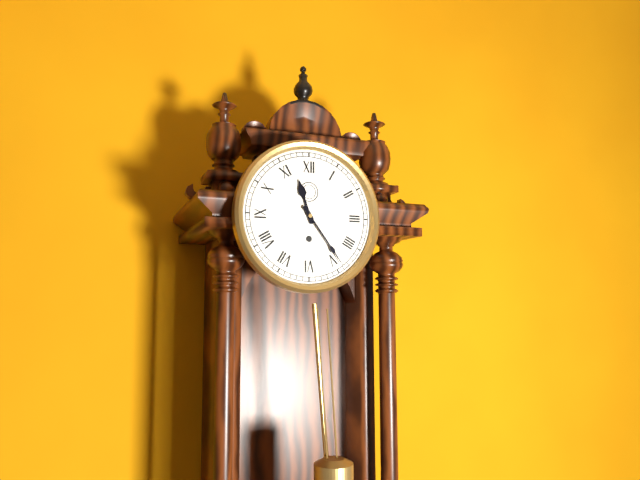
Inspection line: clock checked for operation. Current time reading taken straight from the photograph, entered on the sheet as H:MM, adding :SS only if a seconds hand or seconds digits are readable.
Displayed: 11:24
